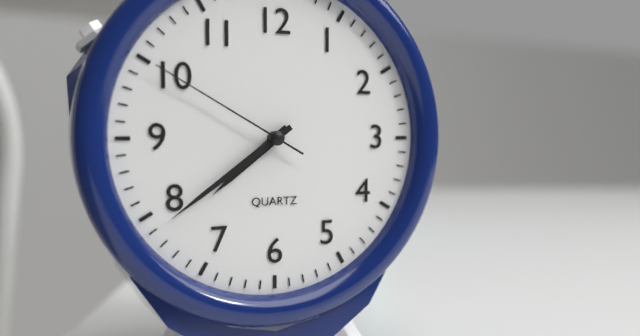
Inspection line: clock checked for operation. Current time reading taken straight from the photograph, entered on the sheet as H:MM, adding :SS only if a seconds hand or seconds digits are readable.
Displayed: 7:39:50
